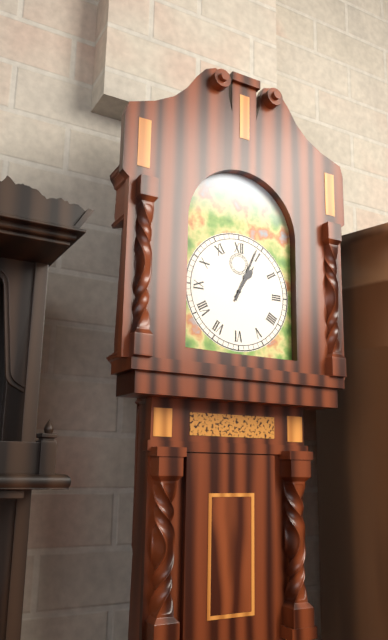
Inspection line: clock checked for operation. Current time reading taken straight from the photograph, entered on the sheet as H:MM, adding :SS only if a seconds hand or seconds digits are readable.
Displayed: 1:04
